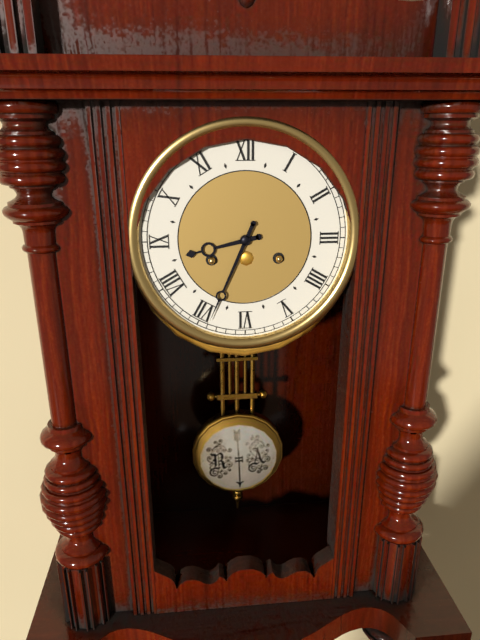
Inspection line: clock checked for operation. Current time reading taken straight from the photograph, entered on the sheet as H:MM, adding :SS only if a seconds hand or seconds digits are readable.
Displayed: 8:34
